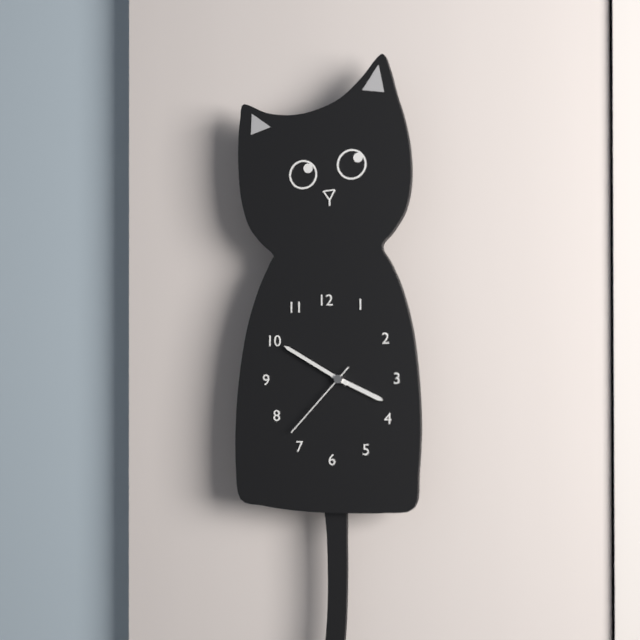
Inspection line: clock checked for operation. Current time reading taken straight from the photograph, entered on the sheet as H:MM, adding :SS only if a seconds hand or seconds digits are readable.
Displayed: 3:50:37
